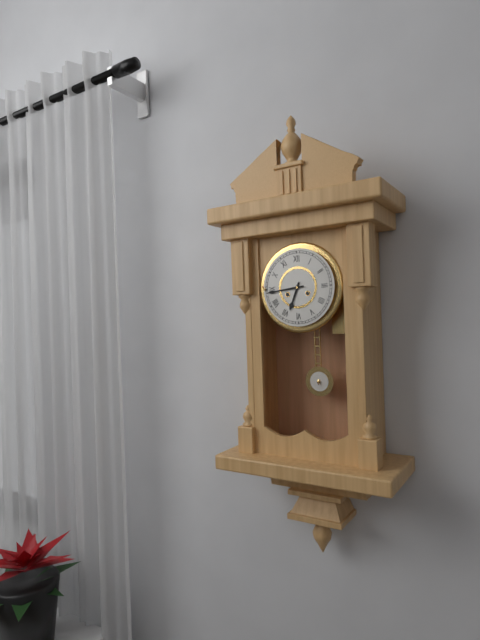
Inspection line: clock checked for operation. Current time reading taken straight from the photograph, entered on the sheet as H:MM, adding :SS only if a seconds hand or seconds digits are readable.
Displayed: 6:44
